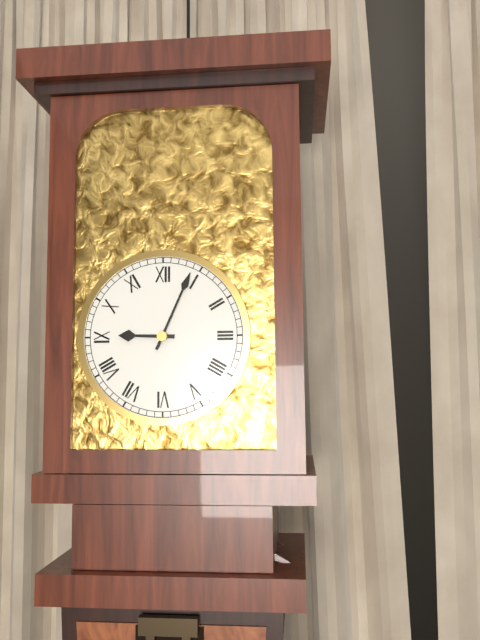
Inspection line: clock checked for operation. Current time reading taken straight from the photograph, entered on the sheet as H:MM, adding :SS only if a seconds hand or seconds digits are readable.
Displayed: 9:04
